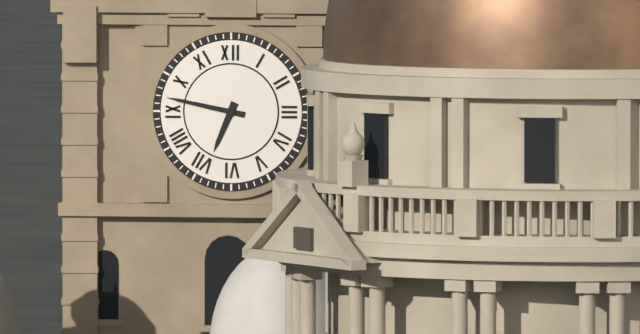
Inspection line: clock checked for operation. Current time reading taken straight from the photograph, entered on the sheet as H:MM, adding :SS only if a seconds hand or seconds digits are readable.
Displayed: 6:47
